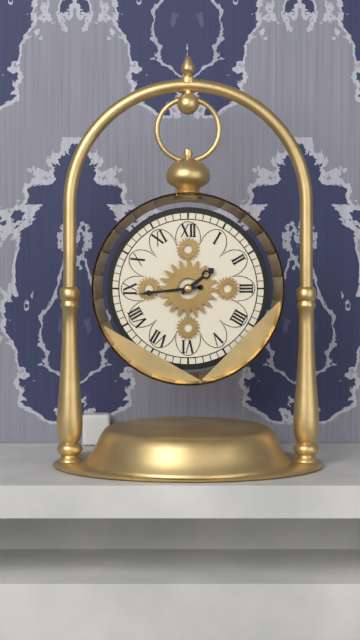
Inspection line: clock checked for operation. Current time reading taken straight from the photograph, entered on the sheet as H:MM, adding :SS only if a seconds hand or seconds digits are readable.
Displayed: 1:44
